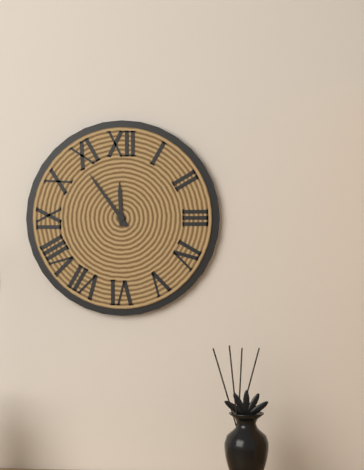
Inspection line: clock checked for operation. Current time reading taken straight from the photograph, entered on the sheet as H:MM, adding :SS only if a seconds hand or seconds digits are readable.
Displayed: 11:54
